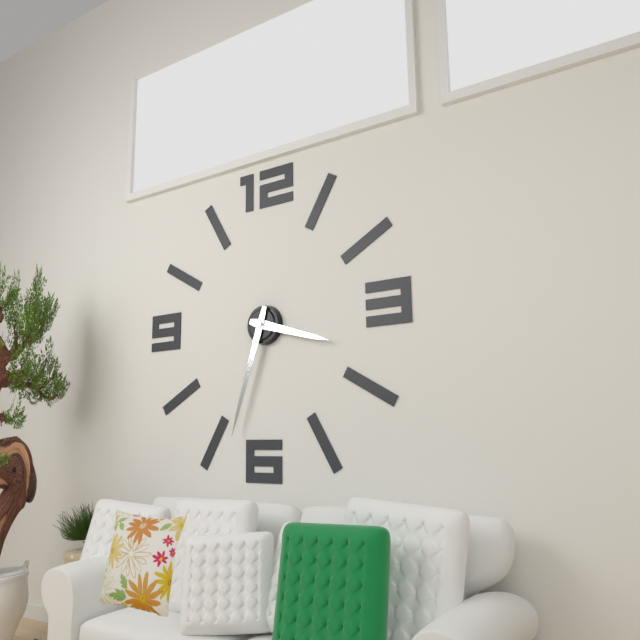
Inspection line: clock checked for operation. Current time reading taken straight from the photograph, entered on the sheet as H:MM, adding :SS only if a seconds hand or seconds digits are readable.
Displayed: 3:33
